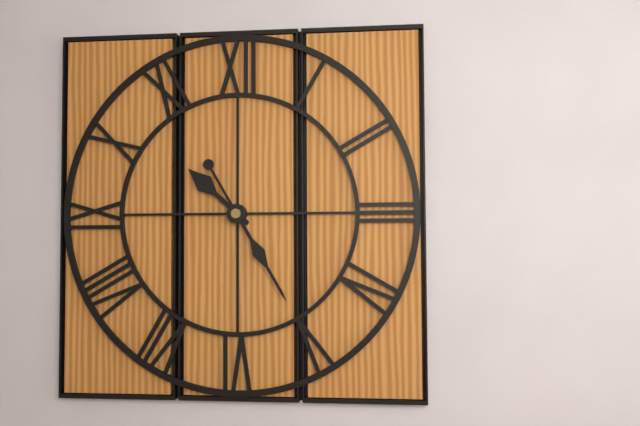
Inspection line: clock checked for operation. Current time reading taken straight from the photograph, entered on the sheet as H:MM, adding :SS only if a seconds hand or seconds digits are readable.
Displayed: 10:25
